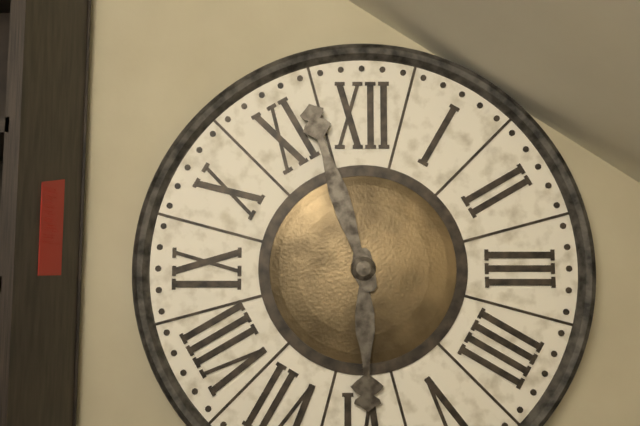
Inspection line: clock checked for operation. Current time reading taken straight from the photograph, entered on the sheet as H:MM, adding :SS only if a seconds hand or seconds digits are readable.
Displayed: 5:57
